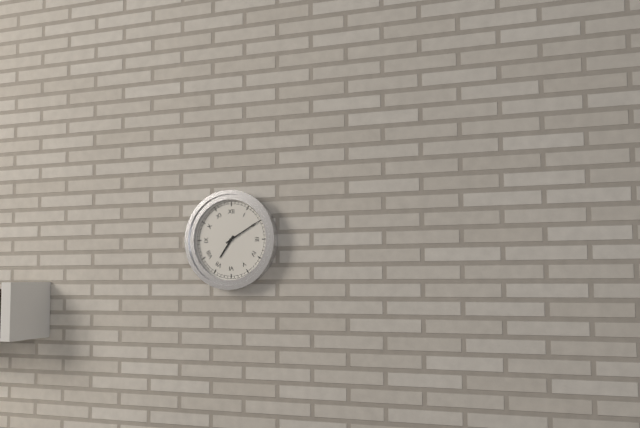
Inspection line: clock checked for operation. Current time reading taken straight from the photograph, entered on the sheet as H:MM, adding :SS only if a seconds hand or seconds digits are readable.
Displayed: 7:10
